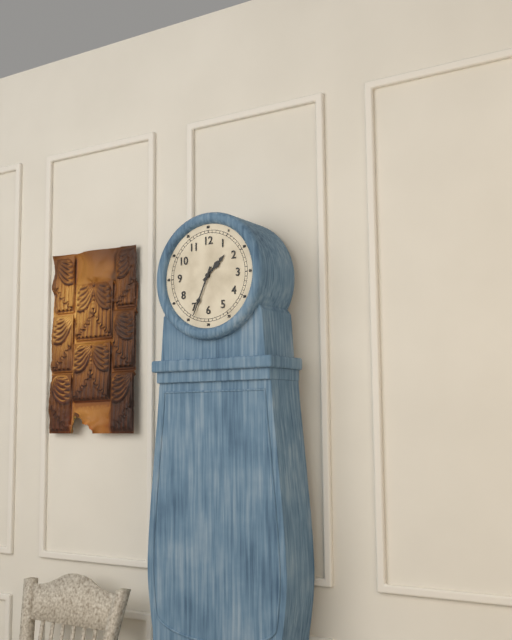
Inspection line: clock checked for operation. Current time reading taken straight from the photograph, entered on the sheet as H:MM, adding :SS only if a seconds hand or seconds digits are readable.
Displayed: 1:34
